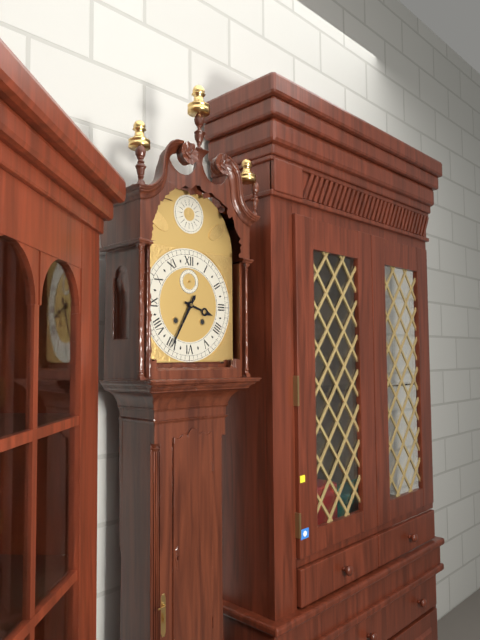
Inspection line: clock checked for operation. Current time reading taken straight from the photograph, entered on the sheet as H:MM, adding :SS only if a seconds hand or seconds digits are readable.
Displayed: 3:35
